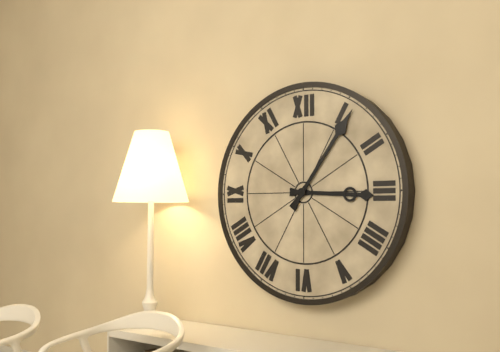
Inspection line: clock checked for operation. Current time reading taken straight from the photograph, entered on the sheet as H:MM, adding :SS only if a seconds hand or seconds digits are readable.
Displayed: 3:06
